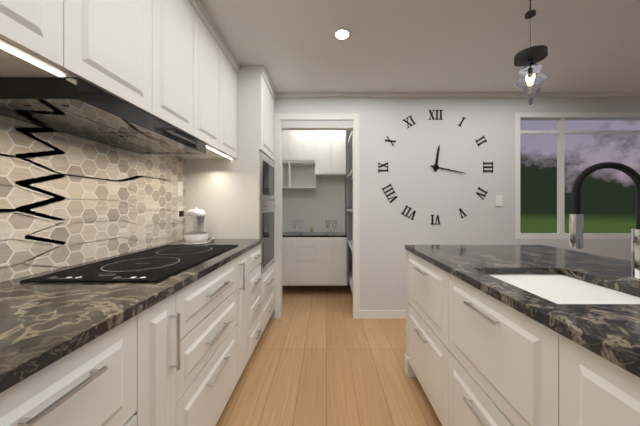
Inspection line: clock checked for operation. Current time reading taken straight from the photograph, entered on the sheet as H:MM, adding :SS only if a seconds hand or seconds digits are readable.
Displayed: 12:17
